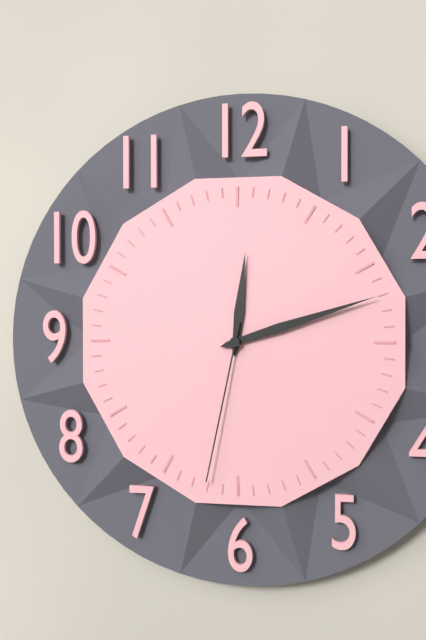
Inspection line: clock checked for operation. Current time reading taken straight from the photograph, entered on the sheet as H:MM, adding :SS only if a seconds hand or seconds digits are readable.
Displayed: 12:12:32
